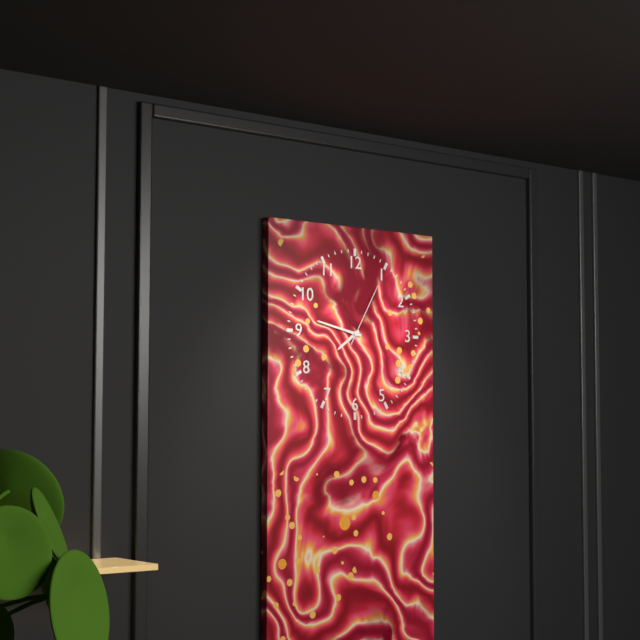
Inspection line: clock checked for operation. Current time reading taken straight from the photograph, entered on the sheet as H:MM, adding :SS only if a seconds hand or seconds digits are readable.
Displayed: 7:47:05
